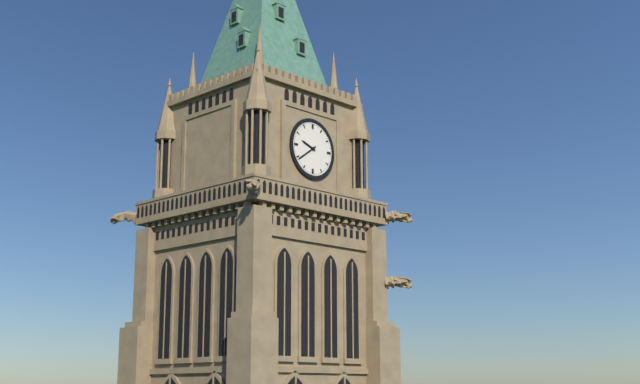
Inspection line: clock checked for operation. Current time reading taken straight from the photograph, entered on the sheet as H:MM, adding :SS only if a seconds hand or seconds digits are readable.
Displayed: 9:39
